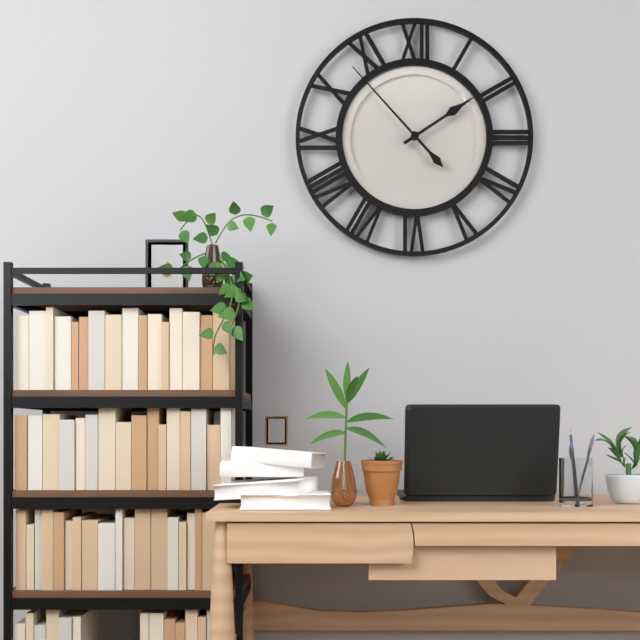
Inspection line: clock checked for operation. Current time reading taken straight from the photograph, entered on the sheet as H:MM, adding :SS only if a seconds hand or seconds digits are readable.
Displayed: 1:53
